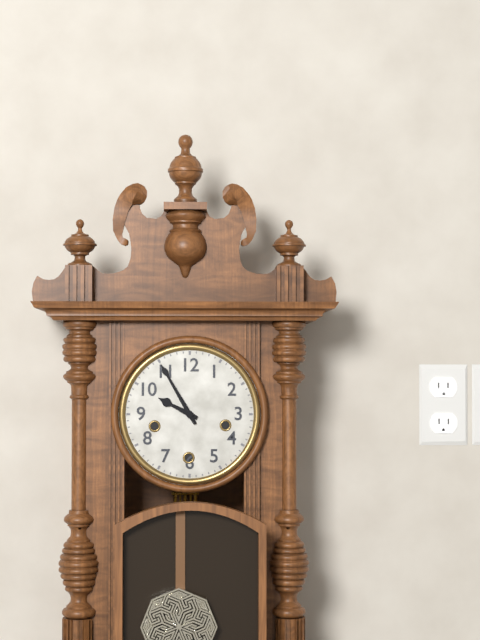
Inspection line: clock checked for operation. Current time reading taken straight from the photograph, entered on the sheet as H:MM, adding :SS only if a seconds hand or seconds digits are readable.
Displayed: 9:55
